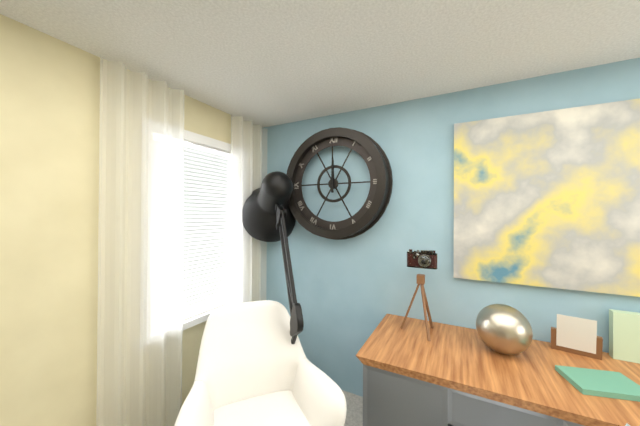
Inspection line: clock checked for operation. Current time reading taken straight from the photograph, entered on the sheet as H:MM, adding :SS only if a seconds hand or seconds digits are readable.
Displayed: 12:00
